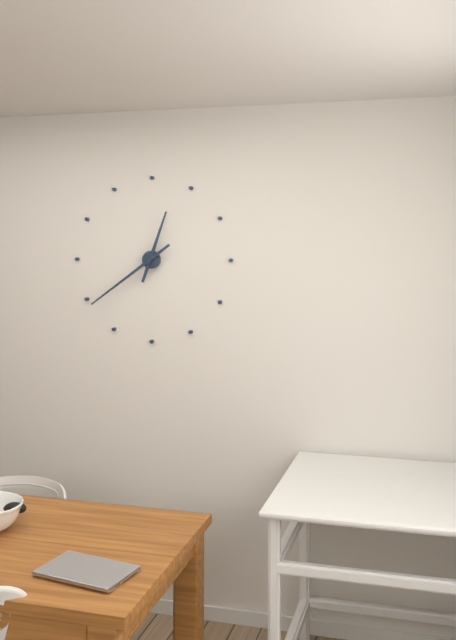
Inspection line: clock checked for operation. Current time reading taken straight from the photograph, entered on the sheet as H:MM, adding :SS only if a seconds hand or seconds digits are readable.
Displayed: 12:39
